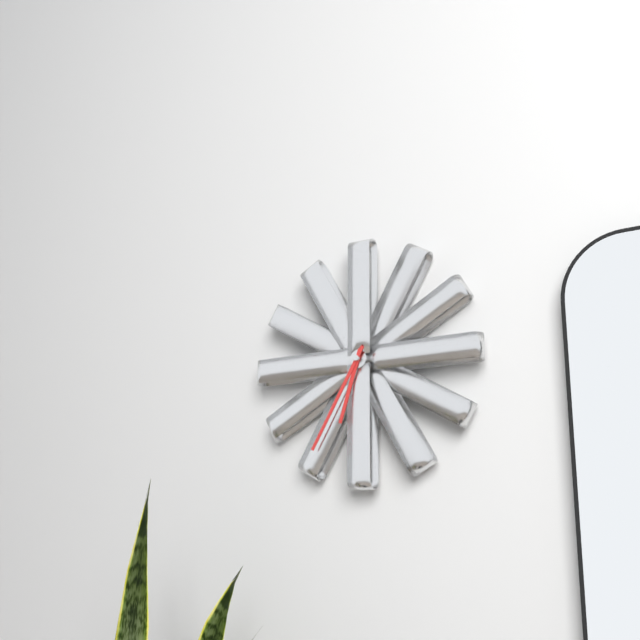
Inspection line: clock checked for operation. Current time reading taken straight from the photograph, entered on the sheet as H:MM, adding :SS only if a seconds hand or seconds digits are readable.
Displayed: 6:35
